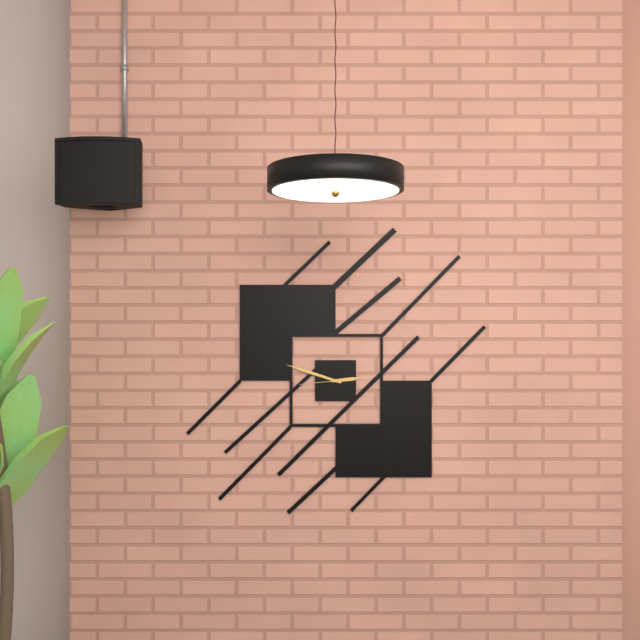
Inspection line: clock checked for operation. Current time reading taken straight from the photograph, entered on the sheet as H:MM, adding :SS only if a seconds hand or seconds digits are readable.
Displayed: 2:48
